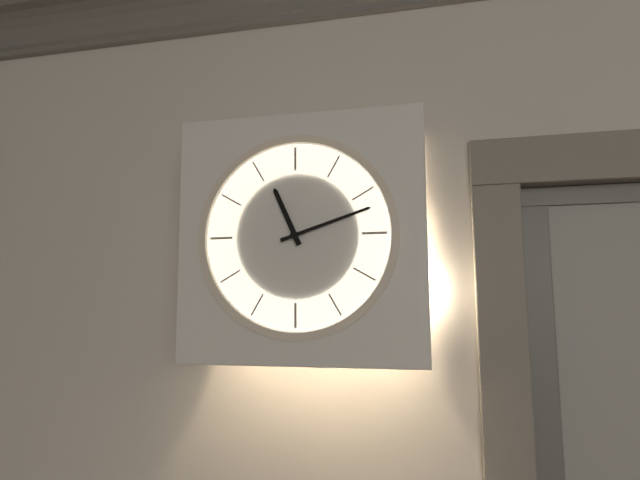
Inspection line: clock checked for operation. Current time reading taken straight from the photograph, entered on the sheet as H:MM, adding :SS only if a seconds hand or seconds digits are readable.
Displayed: 11:12
